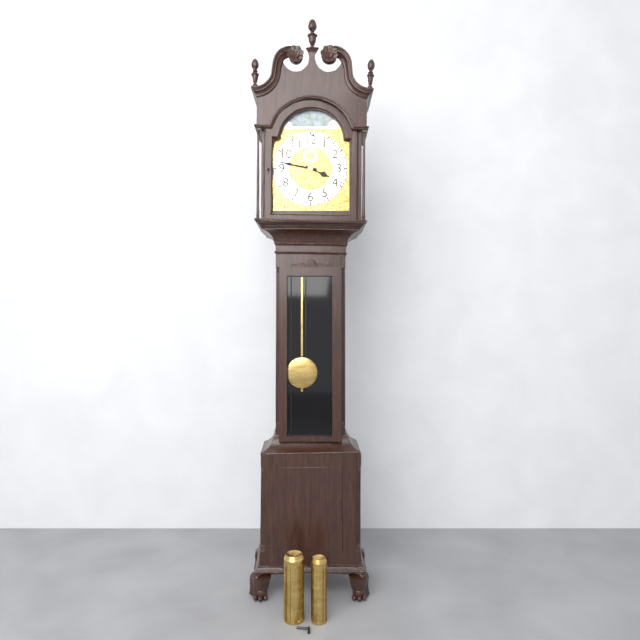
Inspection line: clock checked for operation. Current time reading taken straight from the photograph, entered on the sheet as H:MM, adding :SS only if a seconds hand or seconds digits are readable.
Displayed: 3:47
